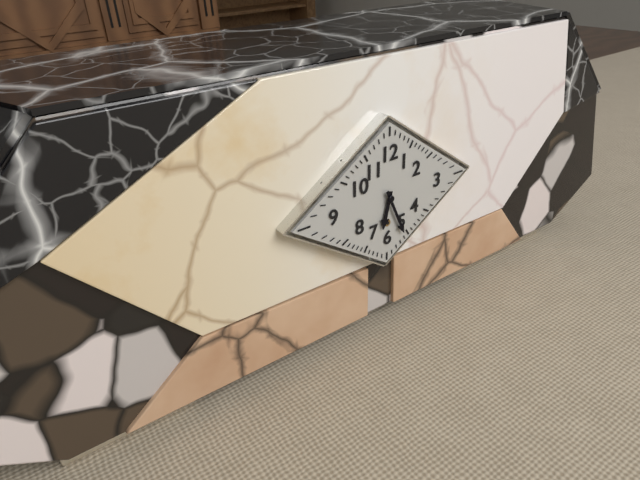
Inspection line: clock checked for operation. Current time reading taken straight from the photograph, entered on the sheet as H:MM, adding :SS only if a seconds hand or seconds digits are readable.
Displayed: 6:26
